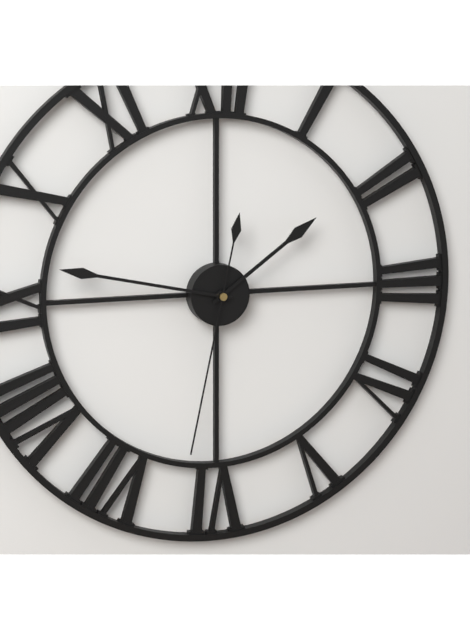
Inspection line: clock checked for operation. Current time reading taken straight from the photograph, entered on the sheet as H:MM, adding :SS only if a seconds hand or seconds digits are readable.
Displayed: 1:47:32
